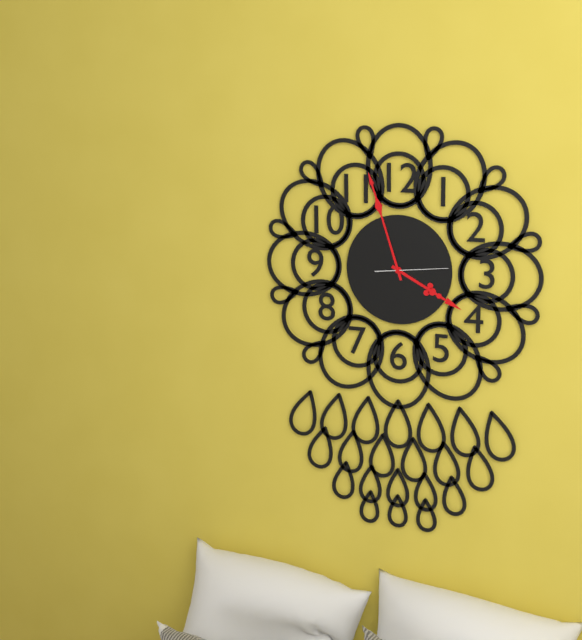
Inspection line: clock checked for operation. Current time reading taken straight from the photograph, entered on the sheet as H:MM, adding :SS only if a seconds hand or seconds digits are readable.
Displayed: 3:57:14
